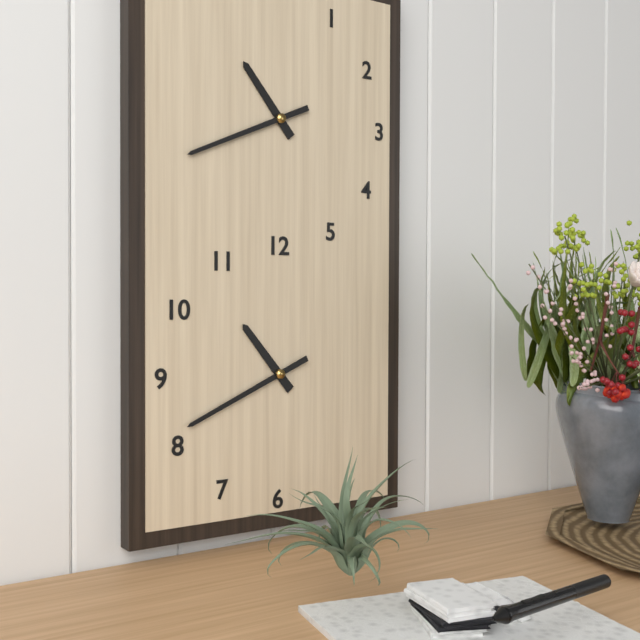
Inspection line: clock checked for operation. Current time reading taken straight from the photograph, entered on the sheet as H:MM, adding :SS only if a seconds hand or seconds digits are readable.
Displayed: 10:41
